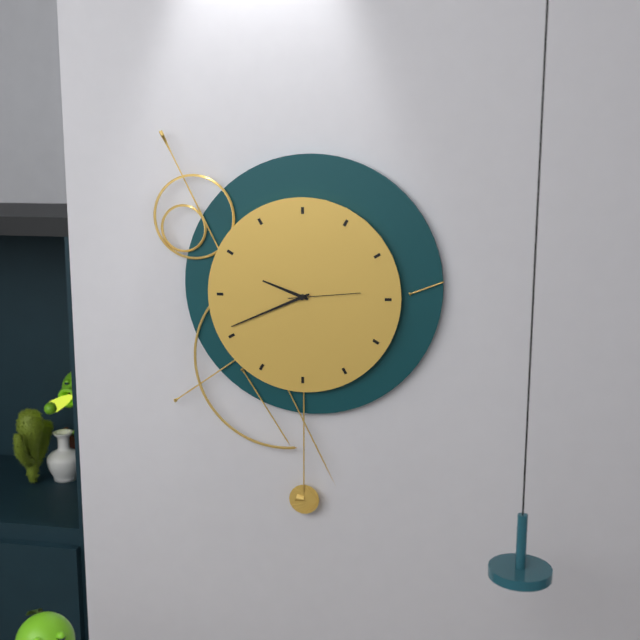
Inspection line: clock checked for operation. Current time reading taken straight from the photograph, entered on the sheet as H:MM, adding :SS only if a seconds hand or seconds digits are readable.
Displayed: 9:41:14
